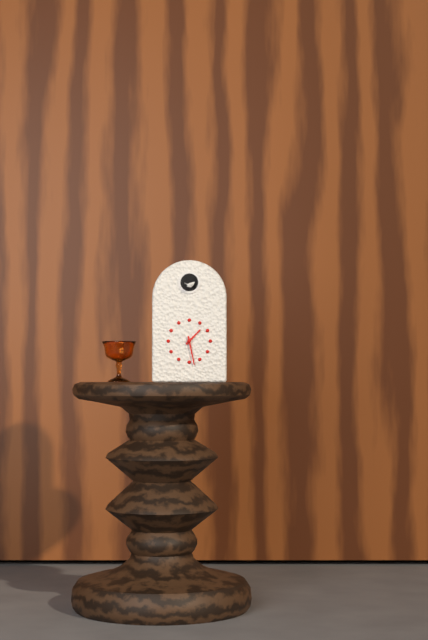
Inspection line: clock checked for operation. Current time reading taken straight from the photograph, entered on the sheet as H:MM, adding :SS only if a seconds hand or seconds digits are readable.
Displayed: 1:28
